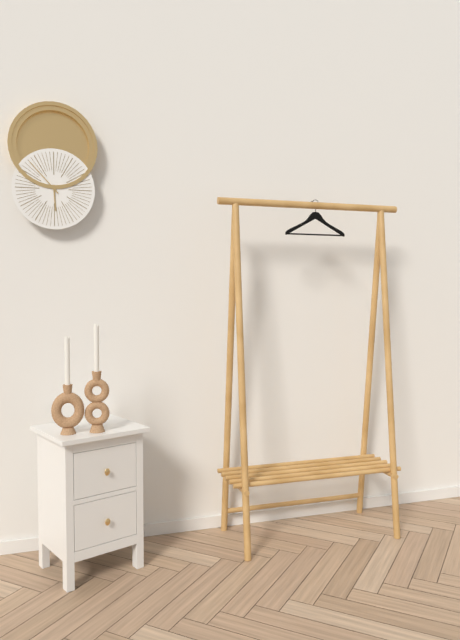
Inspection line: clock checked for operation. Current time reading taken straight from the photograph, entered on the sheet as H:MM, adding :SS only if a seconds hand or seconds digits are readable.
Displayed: 5:53
